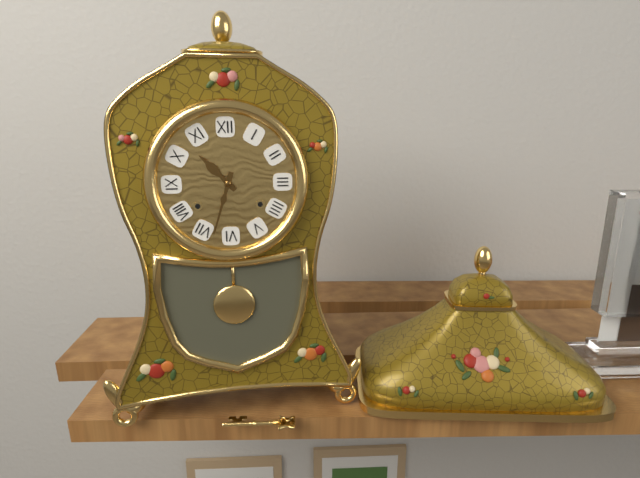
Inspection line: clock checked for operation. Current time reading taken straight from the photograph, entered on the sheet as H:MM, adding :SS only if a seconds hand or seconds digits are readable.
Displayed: 10:33
